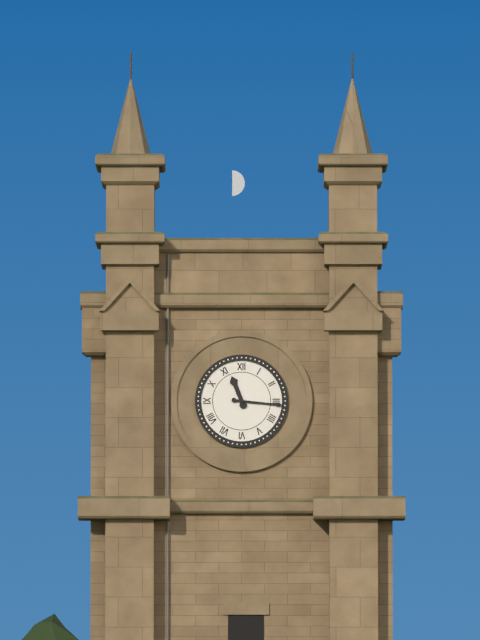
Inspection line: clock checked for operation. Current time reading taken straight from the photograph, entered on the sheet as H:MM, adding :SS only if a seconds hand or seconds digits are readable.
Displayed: 11:16
